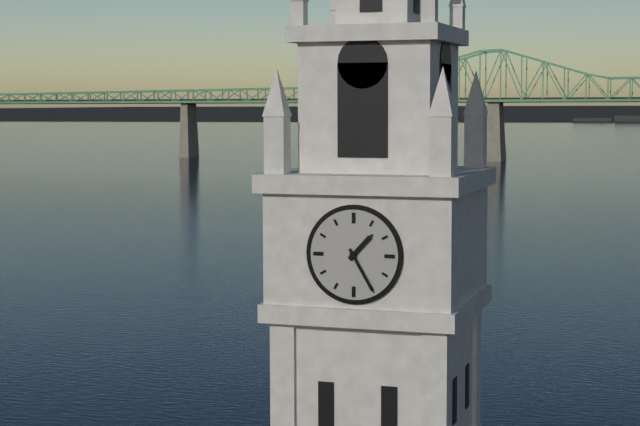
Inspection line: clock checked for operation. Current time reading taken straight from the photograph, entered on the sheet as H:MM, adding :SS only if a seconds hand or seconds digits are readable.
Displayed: 1:25
